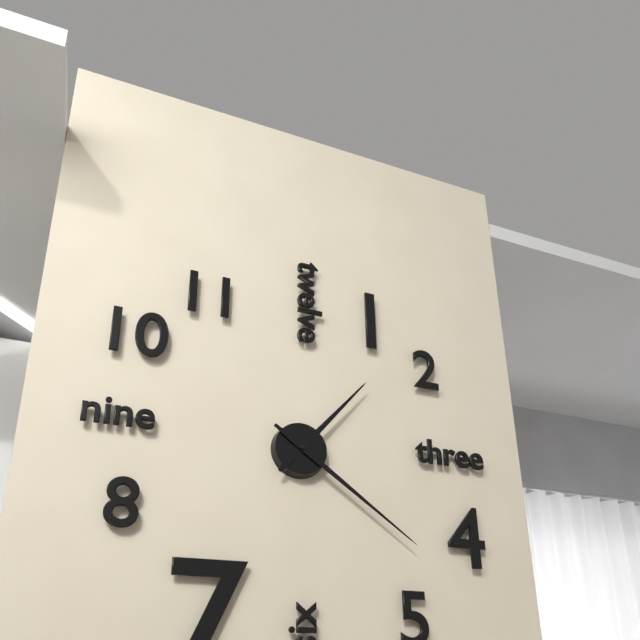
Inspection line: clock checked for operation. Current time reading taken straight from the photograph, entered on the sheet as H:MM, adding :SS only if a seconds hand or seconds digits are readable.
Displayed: 1:21
